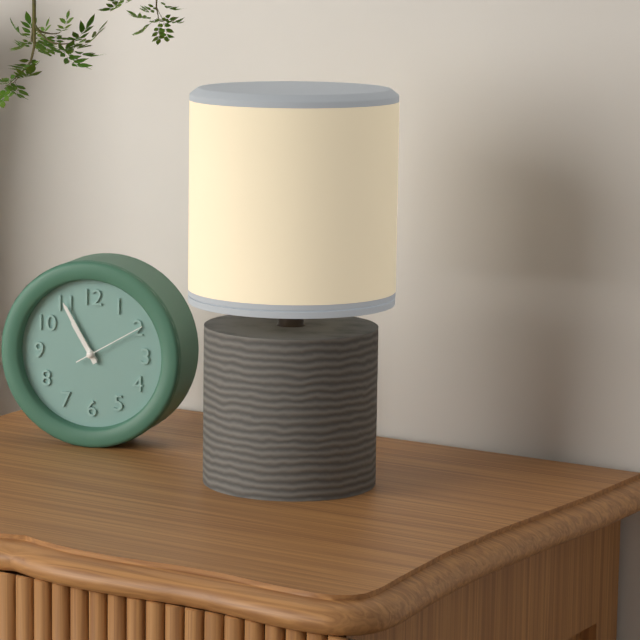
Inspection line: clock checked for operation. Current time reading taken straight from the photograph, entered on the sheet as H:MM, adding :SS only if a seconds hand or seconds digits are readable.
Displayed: 10:55:10
